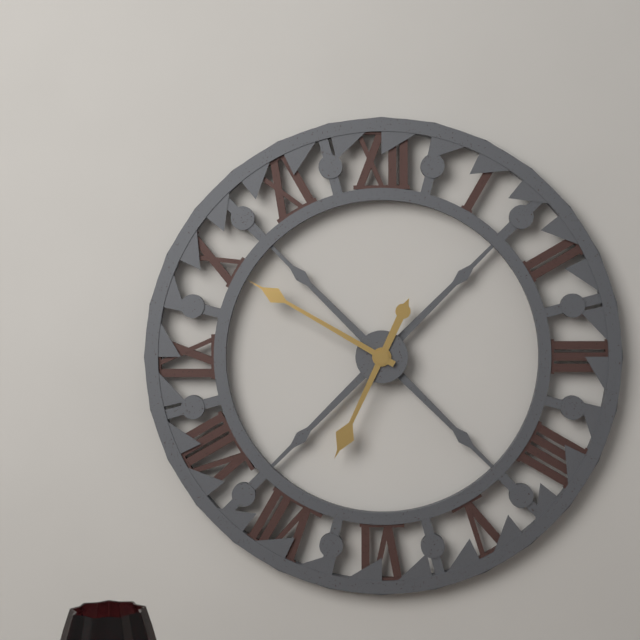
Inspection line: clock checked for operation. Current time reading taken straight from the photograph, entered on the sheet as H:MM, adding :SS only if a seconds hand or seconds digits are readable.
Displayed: 6:50
